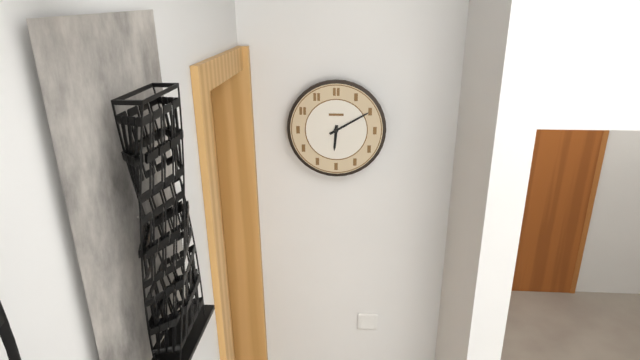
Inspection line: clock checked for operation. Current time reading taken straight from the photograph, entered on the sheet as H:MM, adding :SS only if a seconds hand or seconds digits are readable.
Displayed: 6:10
